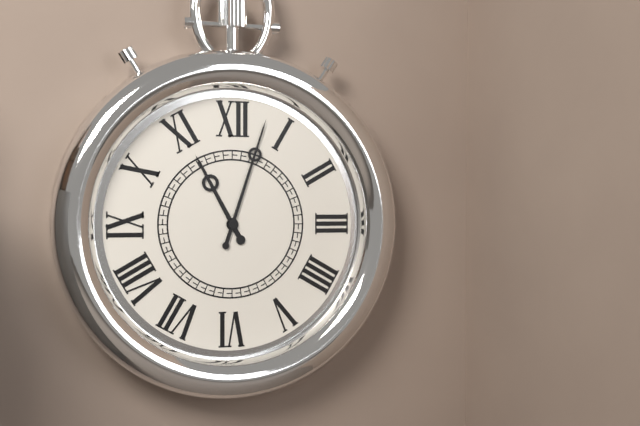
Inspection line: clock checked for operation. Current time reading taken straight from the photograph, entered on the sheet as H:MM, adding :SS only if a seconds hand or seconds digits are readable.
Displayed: 11:03
